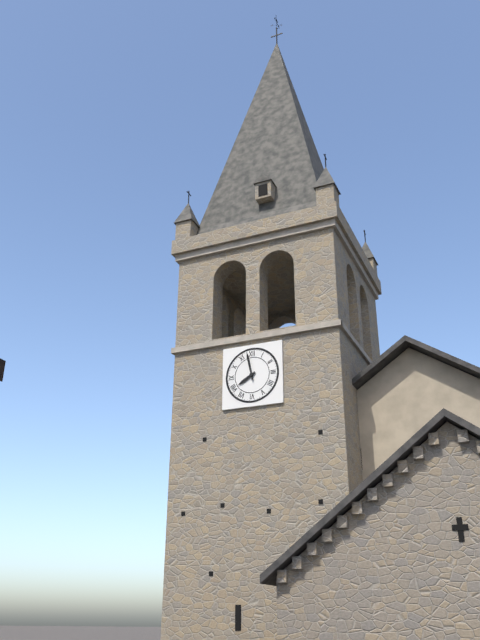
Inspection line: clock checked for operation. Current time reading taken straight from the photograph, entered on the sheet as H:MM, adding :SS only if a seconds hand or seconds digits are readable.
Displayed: 7:58
